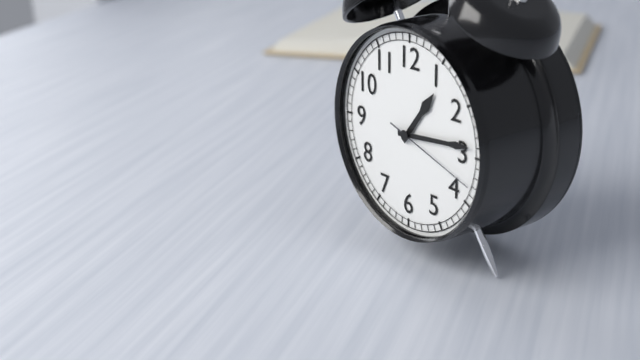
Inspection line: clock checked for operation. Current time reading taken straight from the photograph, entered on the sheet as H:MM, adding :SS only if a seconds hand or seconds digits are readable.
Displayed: 1:14:18
